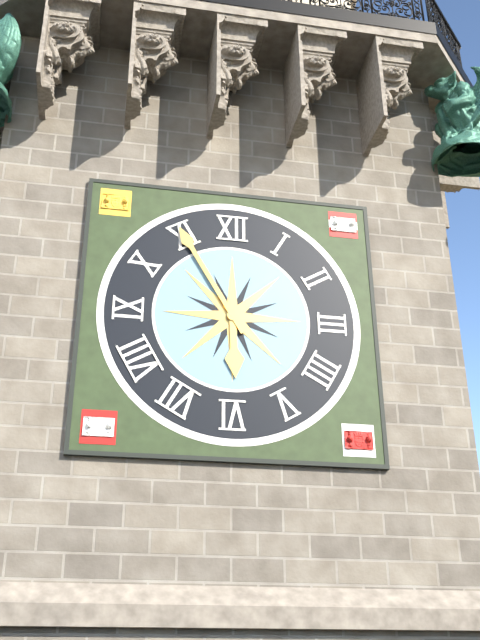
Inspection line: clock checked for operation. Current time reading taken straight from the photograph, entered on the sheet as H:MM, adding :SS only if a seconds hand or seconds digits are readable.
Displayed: 5:55
